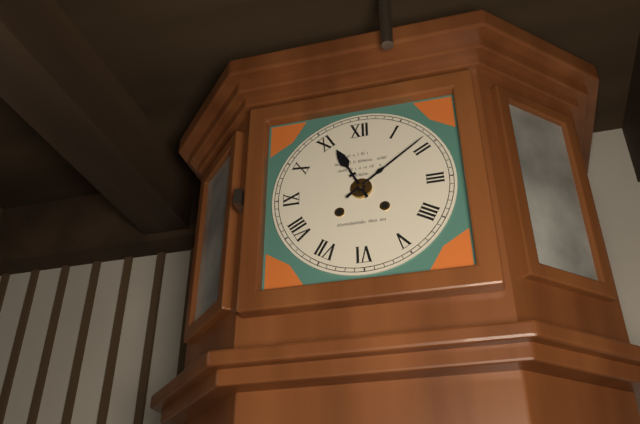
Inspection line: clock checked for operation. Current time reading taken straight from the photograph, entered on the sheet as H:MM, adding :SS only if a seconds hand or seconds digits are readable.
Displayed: 11:09
